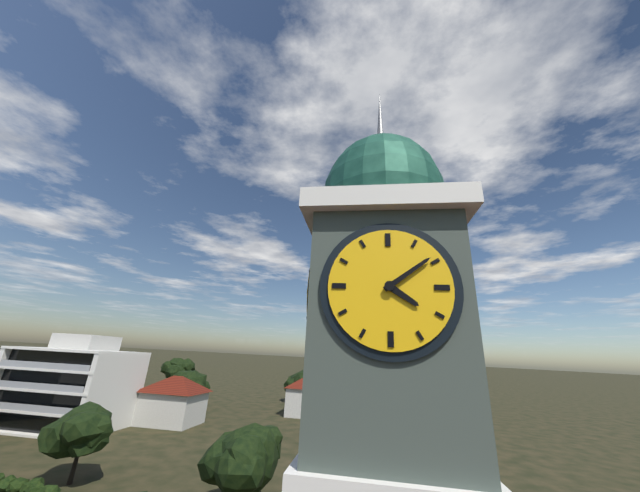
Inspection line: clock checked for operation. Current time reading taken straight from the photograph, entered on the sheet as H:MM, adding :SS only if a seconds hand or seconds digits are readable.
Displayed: 4:09
